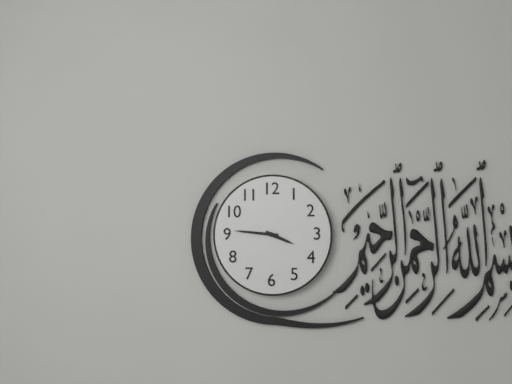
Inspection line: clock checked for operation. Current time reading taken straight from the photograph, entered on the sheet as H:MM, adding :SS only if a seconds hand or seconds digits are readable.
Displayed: 3:46
